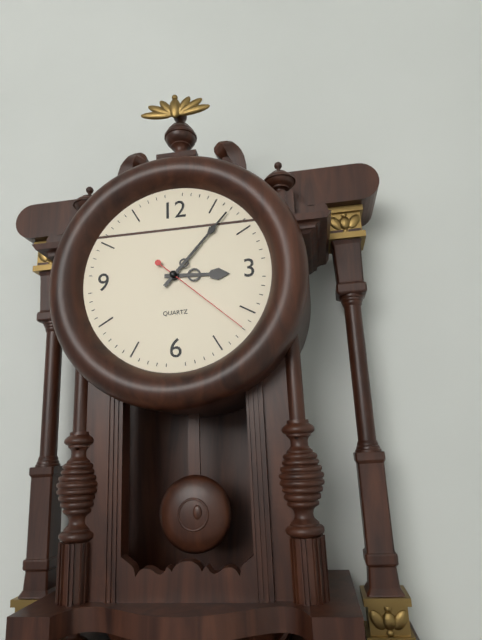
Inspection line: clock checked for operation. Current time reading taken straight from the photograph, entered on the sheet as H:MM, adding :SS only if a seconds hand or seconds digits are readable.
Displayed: 3:07:22
